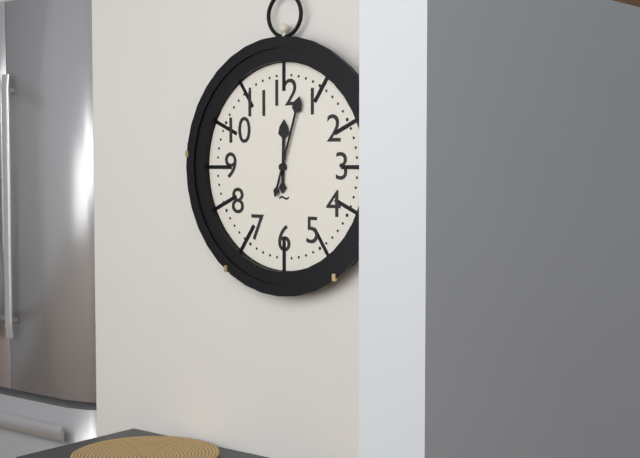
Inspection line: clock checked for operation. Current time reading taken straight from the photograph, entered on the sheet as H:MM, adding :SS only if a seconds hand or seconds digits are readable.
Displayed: 12:03
